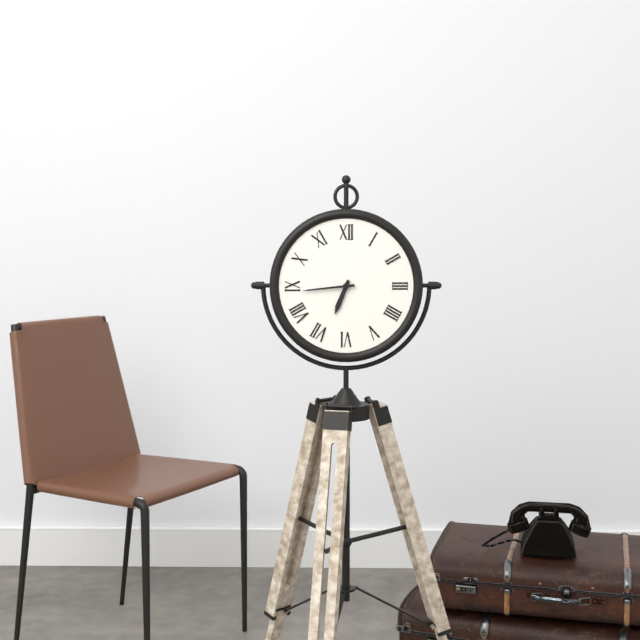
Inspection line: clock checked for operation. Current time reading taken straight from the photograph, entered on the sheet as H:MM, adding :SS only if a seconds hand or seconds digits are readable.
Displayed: 6:44
